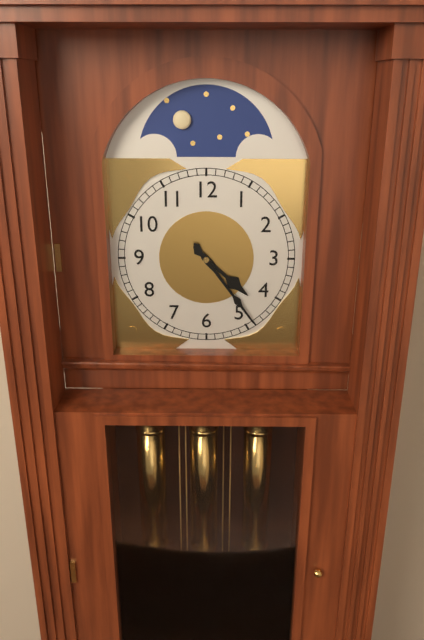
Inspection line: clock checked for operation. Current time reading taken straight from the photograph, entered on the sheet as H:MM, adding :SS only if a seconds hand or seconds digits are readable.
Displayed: 4:24
